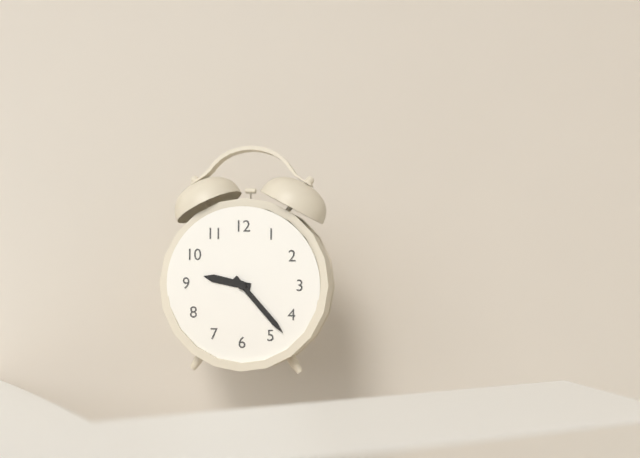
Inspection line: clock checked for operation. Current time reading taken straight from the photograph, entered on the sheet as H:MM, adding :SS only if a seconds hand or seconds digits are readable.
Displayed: 9:23
